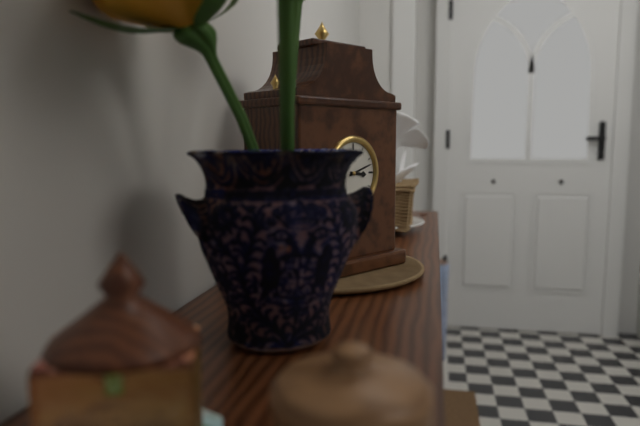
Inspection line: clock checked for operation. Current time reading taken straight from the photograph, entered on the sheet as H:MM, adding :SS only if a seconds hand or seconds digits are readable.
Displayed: 3:12
